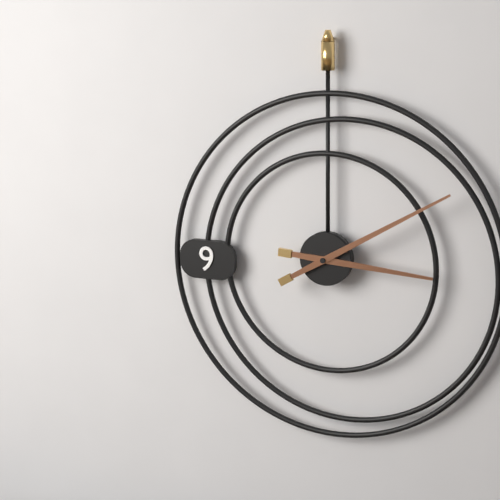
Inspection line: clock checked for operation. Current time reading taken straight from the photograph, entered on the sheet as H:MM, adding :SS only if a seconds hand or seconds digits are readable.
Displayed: 3:10
